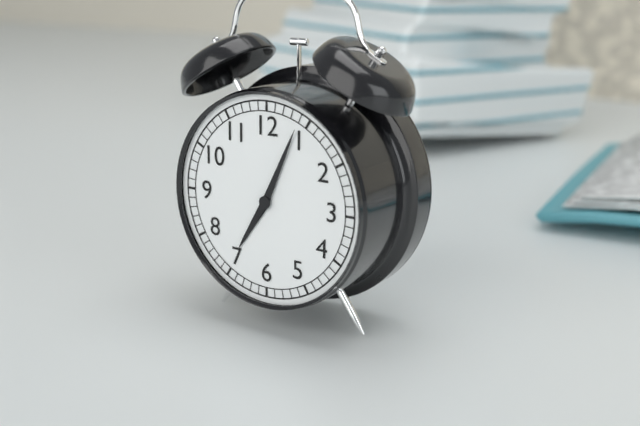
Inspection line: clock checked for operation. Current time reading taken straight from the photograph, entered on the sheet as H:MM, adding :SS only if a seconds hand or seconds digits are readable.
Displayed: 7:04
